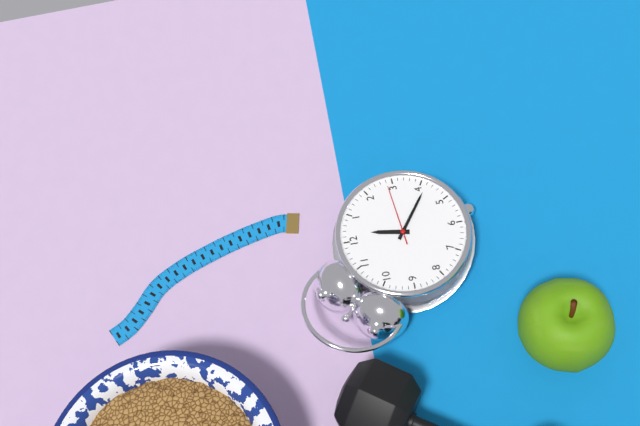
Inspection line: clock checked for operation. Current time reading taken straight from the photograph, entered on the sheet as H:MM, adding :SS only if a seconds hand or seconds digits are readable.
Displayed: 12:21:14
